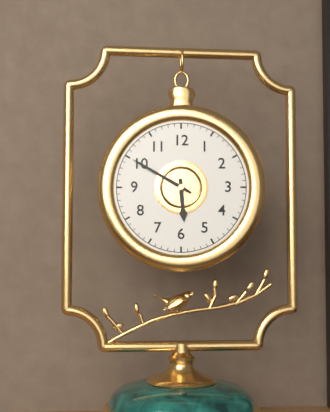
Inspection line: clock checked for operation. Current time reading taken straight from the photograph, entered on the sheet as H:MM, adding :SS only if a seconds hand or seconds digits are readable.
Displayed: 5:50
